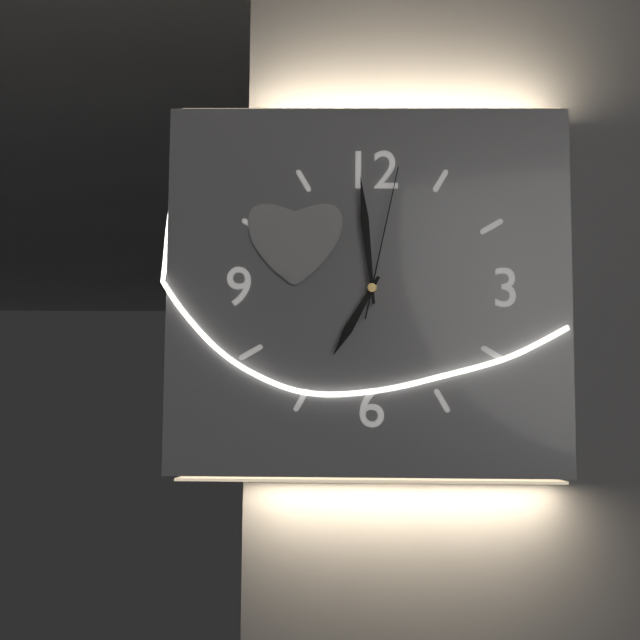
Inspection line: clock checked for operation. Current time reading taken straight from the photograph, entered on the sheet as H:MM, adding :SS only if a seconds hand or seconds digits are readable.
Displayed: 6:59:02
